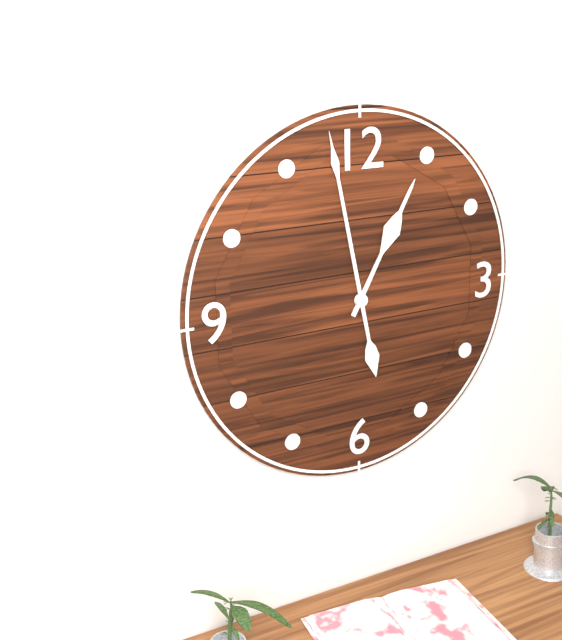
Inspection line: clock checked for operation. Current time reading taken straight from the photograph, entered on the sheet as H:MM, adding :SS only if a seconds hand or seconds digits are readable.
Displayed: 12:58
